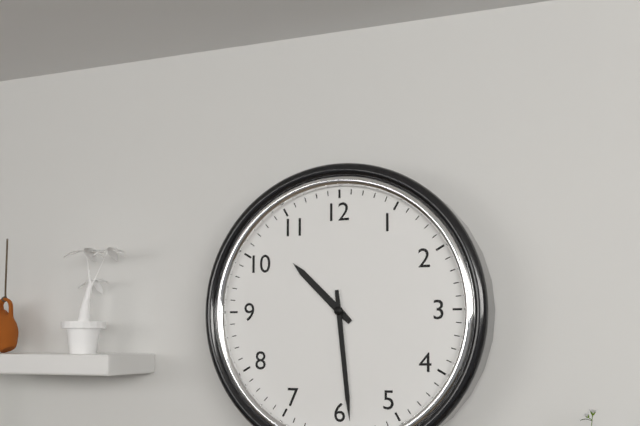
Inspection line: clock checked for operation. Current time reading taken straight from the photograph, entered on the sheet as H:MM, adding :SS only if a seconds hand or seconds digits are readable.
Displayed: 10:29
